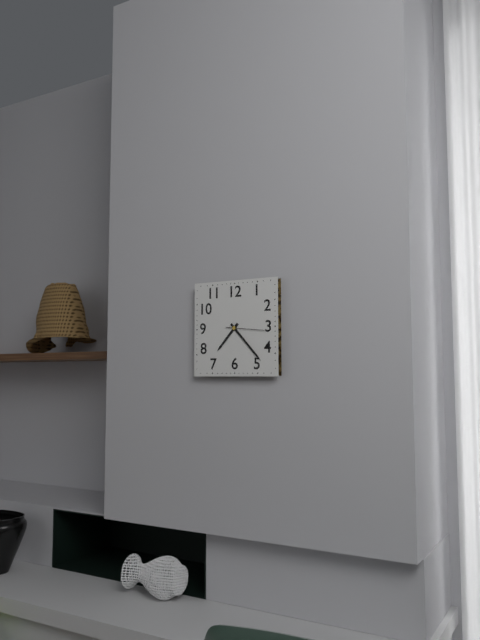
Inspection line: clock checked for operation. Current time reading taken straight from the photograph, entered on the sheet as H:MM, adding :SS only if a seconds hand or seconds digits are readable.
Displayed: 7:23
